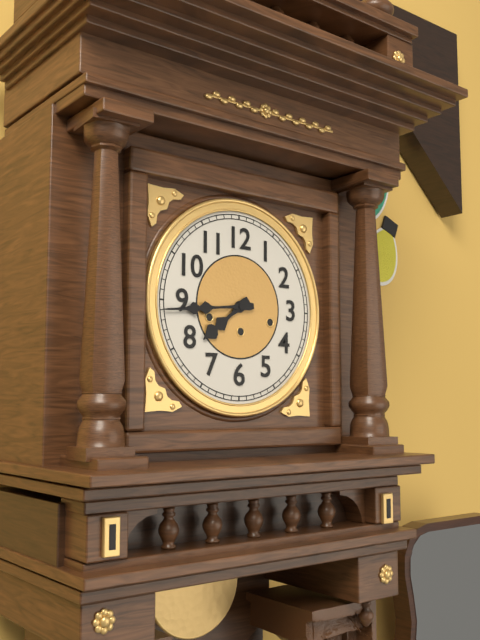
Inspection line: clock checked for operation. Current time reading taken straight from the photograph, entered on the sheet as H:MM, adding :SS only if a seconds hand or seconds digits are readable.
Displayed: 7:44
